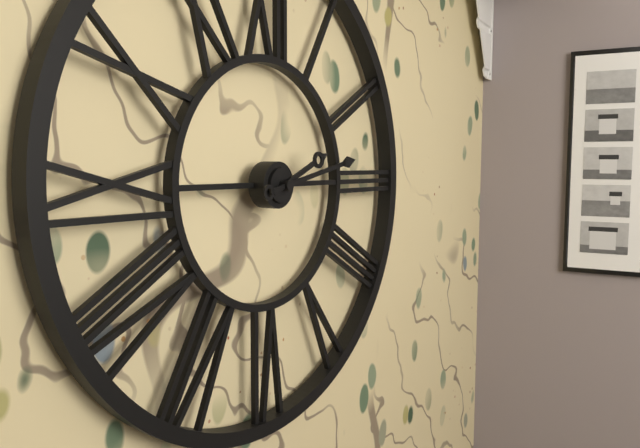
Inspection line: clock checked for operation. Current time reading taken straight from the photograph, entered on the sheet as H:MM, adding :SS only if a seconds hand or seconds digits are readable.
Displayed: 2:13
